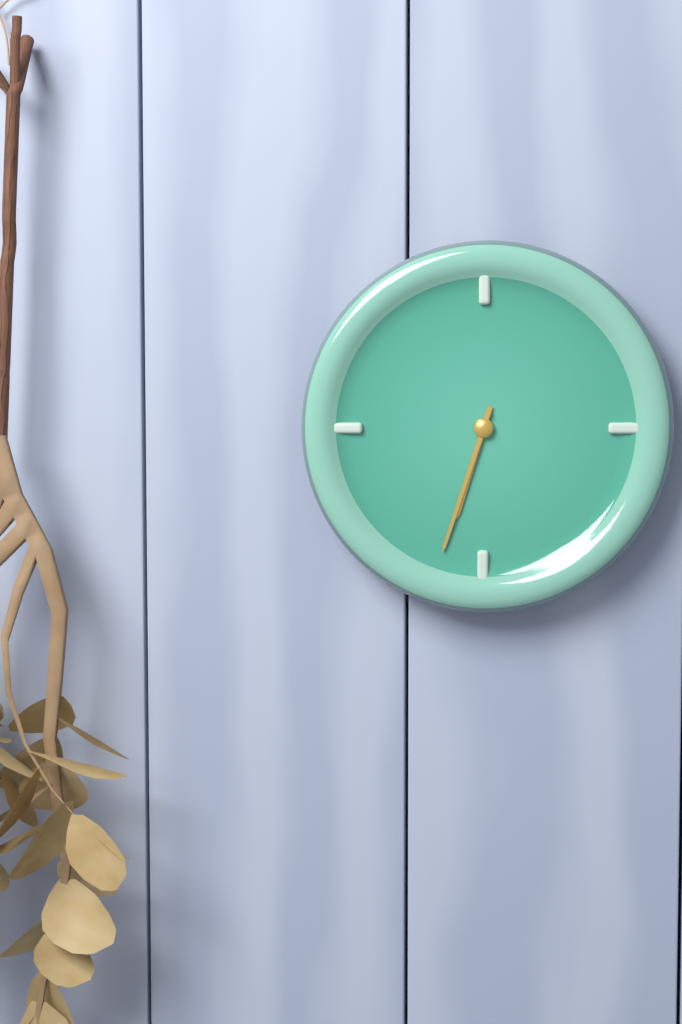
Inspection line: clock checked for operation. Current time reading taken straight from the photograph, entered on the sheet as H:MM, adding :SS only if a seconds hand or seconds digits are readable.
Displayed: 6:33
